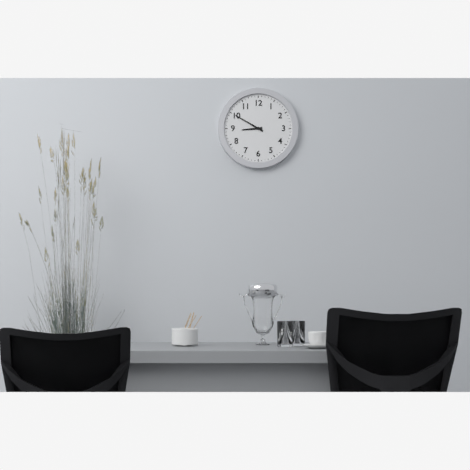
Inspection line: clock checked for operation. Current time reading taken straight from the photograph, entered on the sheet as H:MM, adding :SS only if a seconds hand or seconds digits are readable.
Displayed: 8:50
